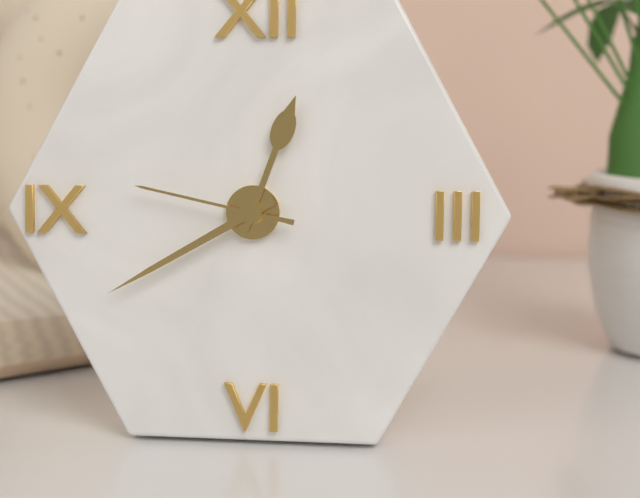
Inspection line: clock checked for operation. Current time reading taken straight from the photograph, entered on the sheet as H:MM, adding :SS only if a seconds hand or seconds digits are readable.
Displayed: 12:40:47
